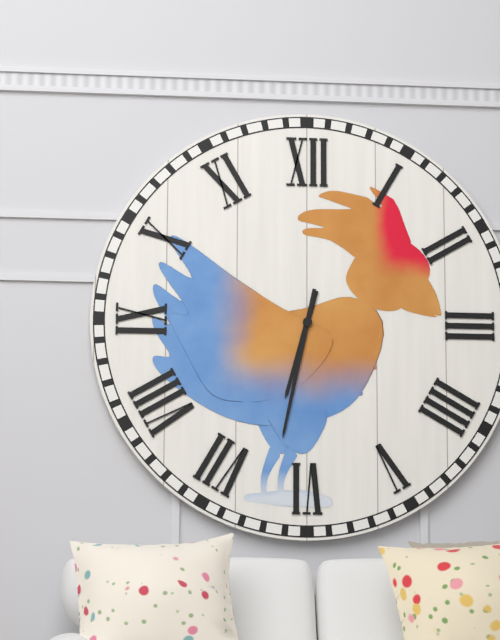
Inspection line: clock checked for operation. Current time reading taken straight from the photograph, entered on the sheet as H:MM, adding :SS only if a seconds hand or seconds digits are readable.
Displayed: 6:32
